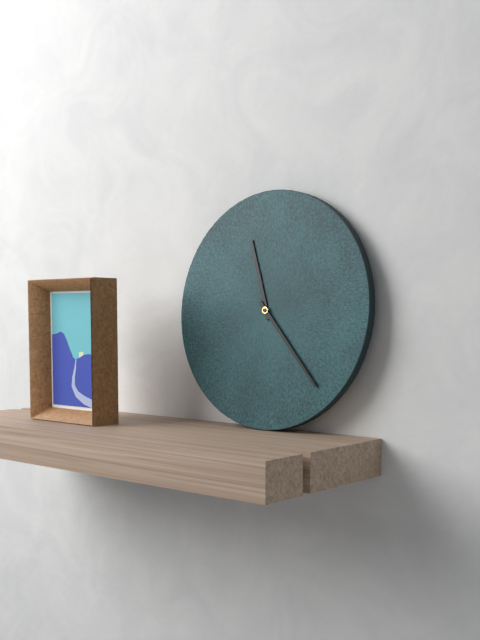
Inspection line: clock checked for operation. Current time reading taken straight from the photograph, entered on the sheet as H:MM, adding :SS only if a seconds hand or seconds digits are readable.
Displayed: 11:23
